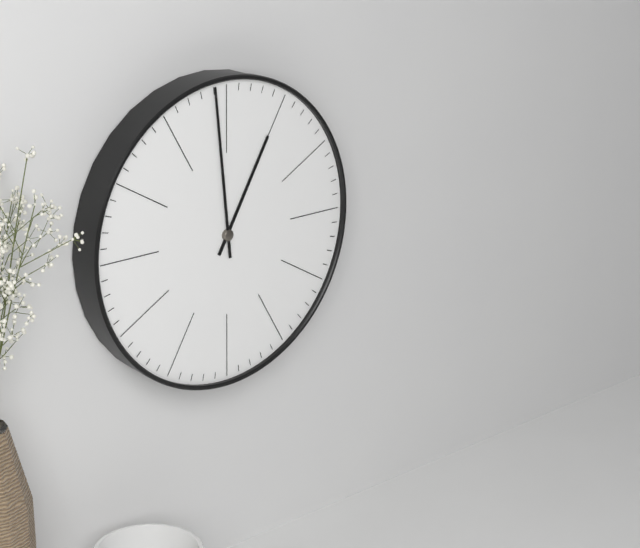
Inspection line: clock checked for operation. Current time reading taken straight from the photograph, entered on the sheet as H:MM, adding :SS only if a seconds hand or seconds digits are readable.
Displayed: 12:59
